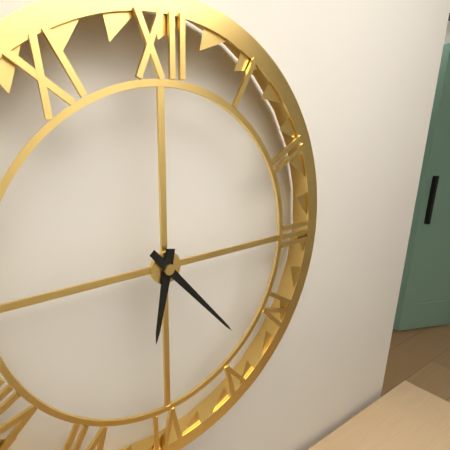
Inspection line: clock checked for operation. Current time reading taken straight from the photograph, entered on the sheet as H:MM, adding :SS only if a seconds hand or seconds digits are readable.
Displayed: 6:23
